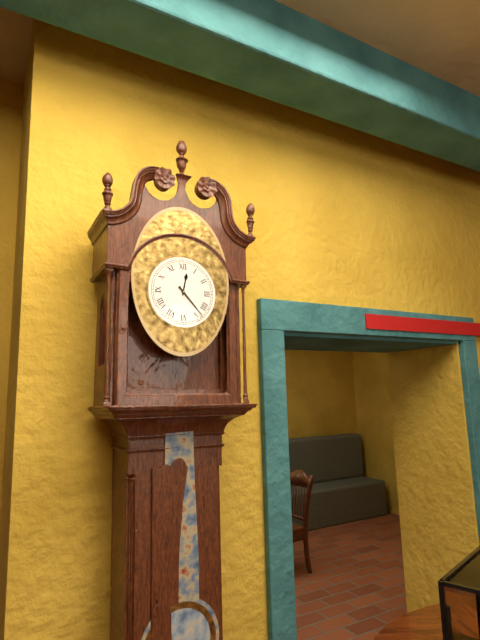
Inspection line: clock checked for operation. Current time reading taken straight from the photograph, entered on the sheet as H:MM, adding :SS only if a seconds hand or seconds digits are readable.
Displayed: 12:23
